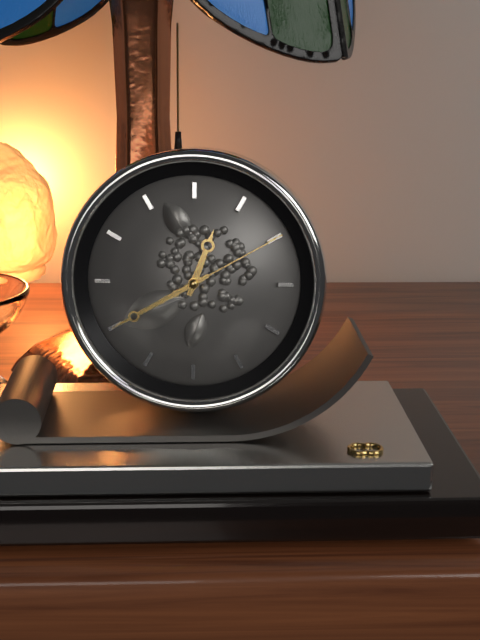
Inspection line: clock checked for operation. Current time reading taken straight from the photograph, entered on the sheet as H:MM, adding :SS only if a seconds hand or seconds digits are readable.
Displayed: 12:40:10
